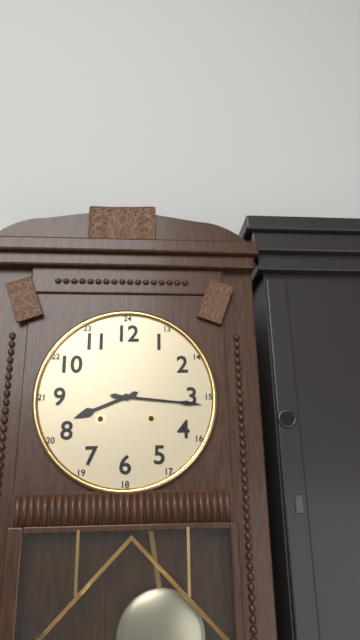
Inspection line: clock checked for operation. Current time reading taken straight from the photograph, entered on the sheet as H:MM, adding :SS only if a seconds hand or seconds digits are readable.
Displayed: 8:16
